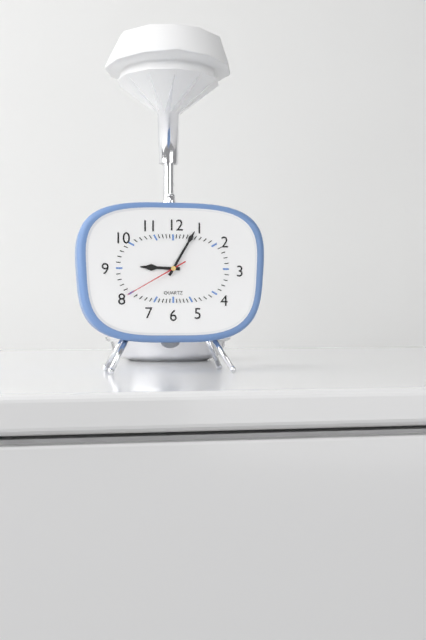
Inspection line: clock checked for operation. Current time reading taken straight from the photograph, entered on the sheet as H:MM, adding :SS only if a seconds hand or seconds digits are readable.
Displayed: 9:05:40
